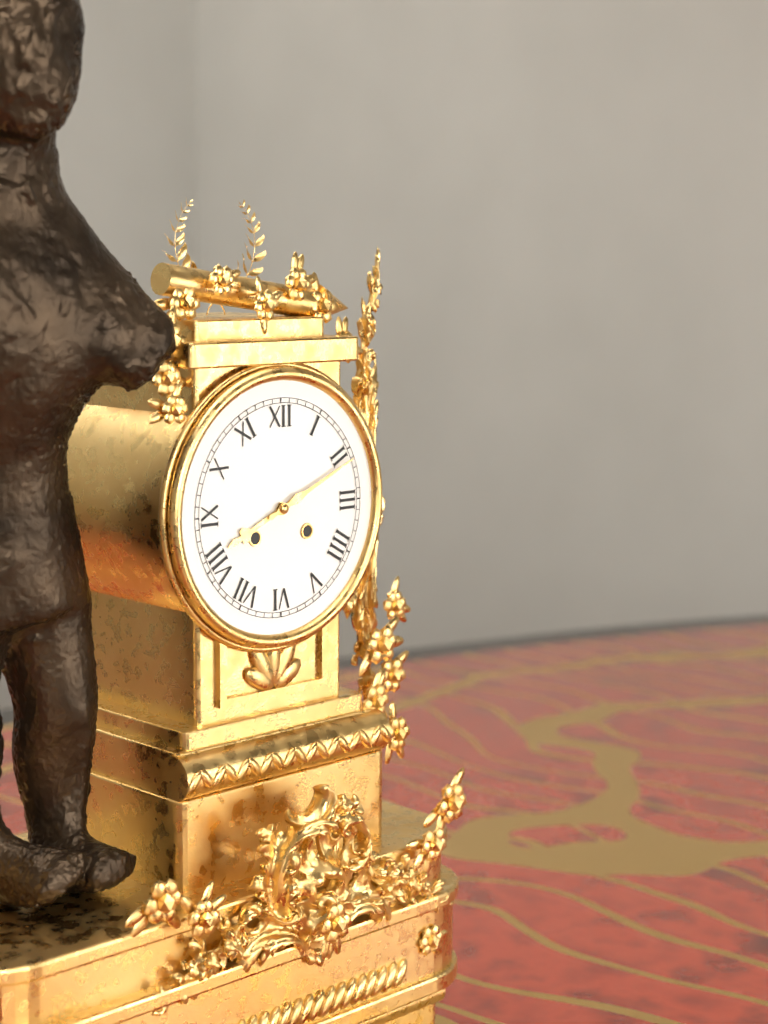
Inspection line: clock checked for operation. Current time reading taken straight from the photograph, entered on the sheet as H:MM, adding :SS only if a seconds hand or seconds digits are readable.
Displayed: 8:11
